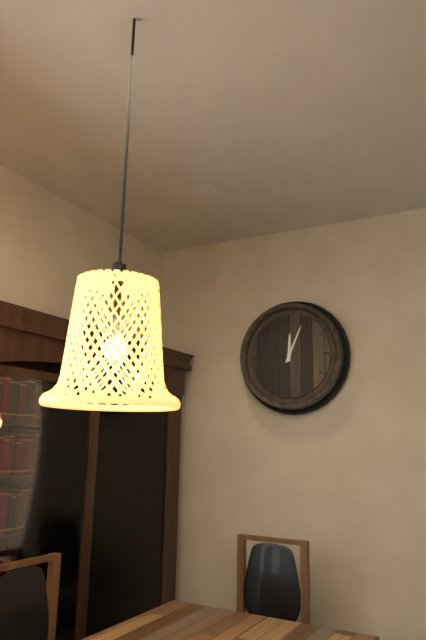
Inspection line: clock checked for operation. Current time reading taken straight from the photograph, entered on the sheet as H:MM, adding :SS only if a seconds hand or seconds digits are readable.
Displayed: 12:04
